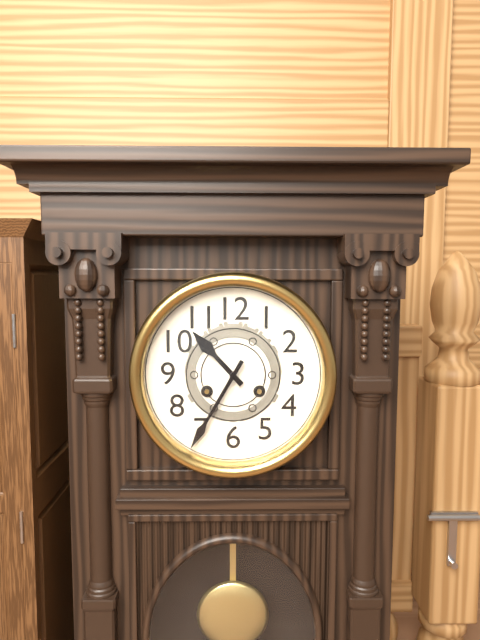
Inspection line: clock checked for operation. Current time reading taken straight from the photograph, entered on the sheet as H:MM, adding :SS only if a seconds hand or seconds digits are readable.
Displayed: 10:35
